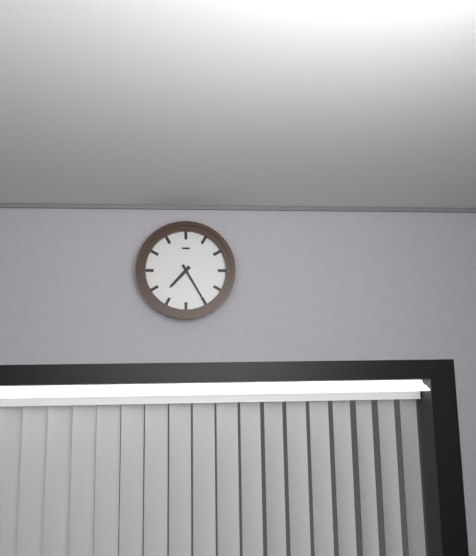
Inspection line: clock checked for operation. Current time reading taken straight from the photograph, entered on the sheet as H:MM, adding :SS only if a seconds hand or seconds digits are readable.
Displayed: 7:25
